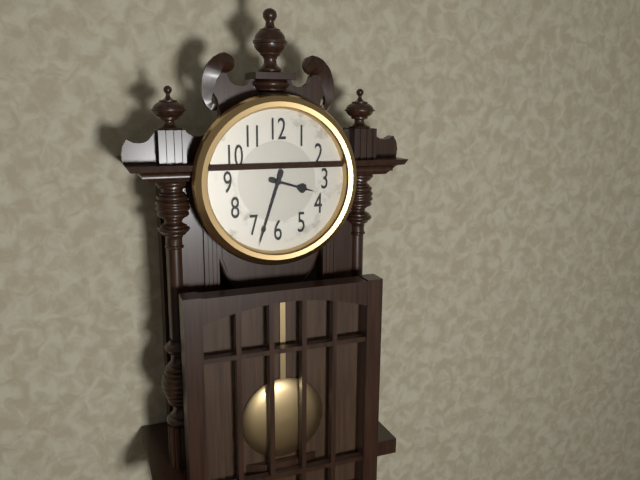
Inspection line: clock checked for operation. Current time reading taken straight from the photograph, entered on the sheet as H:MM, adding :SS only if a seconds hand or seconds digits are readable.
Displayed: 3:33
